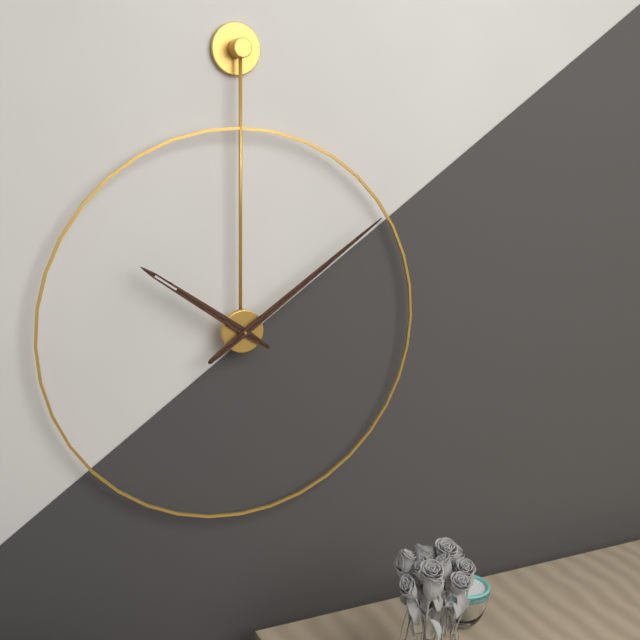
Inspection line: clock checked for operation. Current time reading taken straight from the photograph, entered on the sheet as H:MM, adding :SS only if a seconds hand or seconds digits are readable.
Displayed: 10:09
